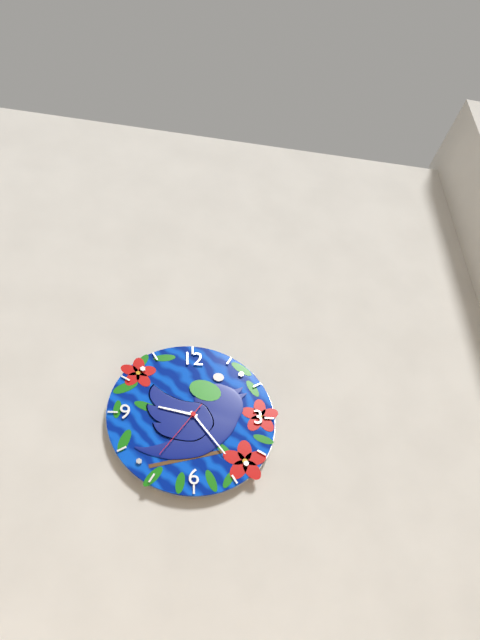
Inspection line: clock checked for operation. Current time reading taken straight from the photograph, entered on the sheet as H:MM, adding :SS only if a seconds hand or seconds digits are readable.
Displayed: 9:24:36
